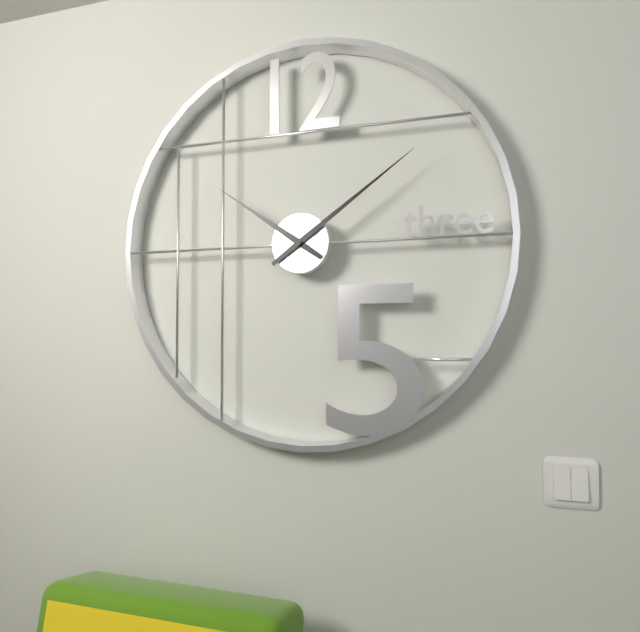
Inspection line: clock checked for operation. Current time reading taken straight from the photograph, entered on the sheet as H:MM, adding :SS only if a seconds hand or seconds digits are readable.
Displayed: 10:09
